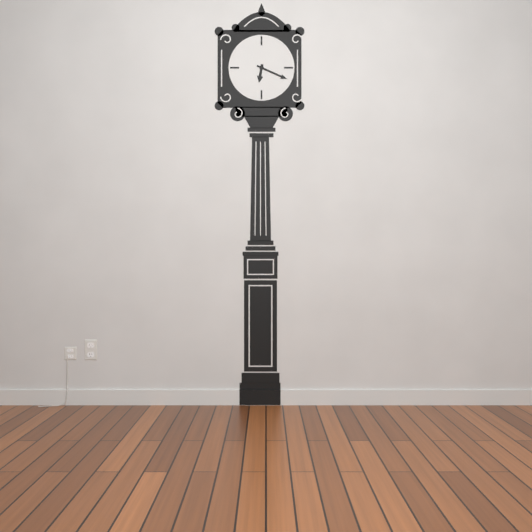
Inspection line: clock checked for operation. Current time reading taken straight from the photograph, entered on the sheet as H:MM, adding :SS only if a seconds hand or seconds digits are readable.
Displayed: 6:19
